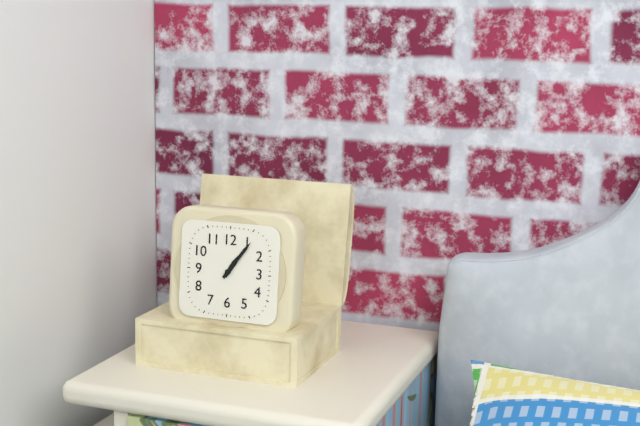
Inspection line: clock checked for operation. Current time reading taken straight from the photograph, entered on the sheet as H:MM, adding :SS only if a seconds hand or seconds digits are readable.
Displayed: 1:06
